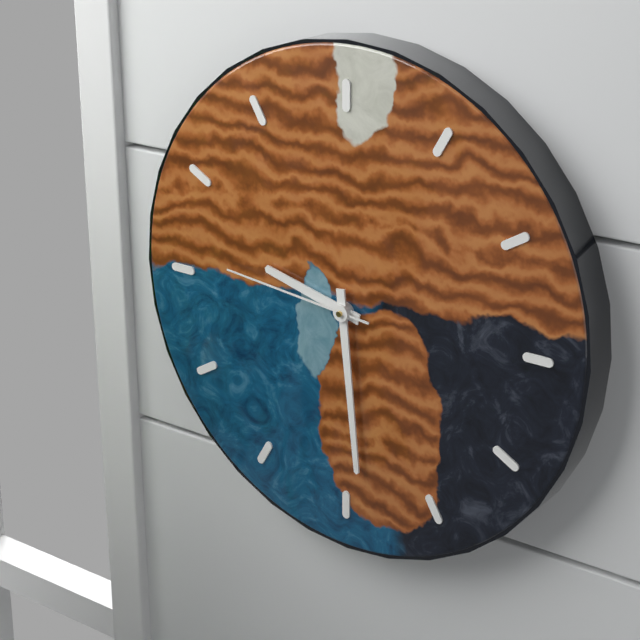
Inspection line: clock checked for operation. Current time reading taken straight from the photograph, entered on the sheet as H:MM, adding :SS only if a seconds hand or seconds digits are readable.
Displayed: 9:29:46
